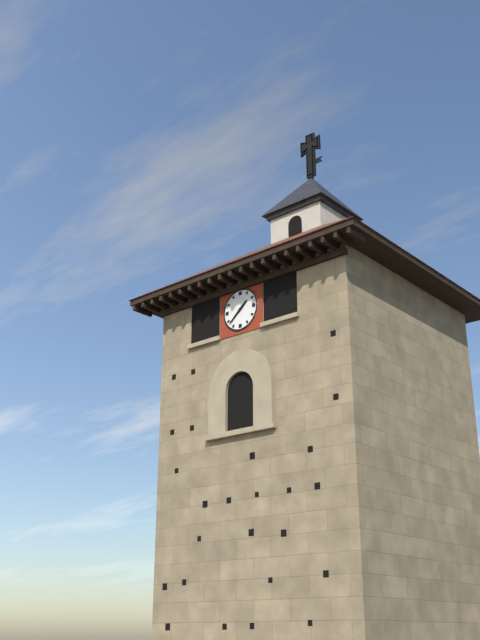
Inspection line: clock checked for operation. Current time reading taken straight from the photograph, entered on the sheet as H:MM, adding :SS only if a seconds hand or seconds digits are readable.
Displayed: 1:38
